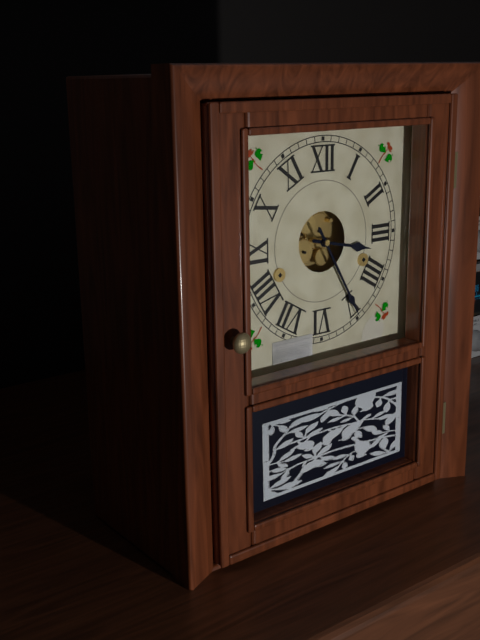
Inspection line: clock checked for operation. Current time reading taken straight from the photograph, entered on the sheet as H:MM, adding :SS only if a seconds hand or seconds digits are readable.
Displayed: 3:25
